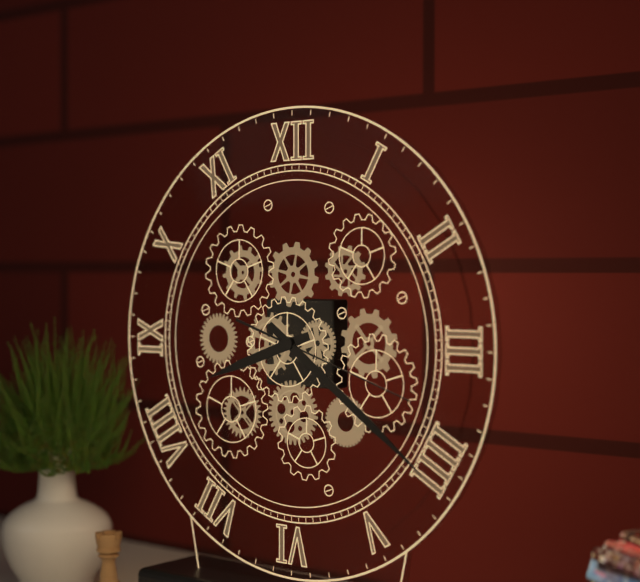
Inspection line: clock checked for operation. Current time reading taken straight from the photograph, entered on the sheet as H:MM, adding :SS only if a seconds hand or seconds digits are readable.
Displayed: 8:21:18
